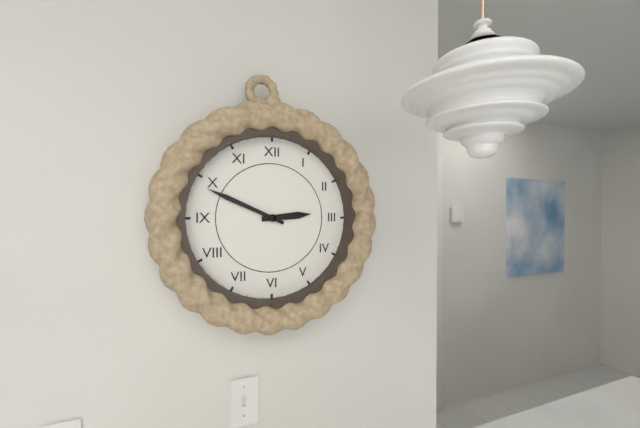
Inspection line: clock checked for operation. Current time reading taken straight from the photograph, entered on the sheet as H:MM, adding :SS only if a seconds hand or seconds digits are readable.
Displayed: 2:49
